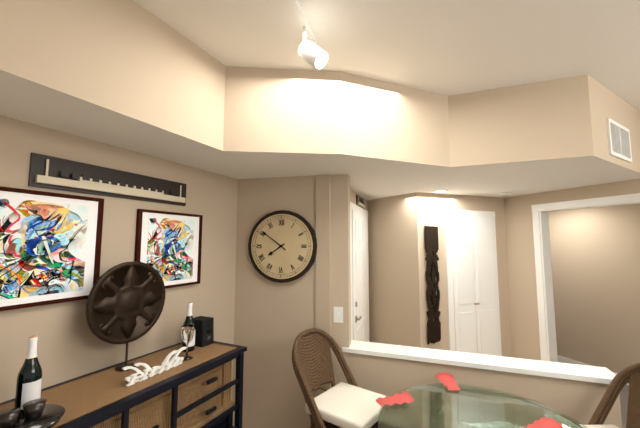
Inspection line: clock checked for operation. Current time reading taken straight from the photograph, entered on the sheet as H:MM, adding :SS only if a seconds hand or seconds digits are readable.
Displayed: 7:51
